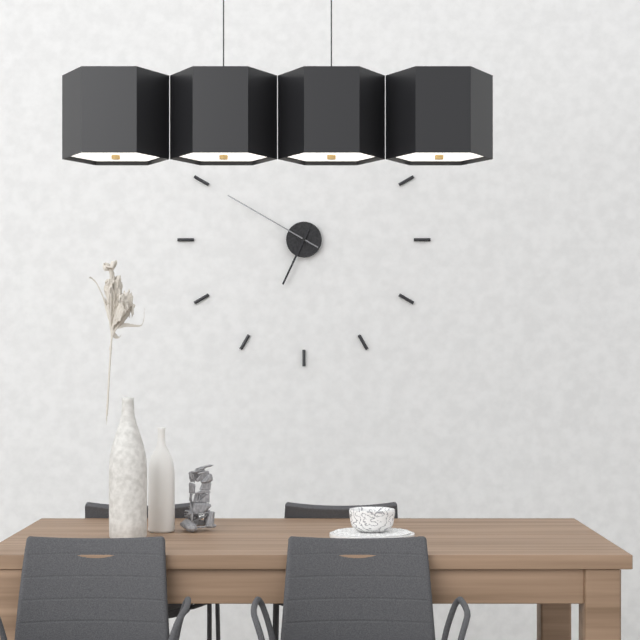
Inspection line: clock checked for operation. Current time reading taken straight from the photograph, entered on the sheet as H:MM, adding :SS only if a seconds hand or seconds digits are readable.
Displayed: 6:50
